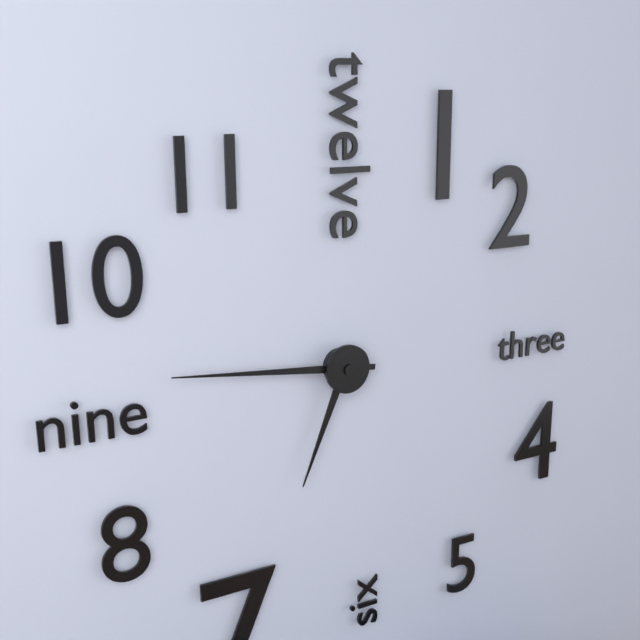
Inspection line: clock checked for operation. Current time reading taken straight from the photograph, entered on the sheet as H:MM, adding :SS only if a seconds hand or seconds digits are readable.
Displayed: 6:46
